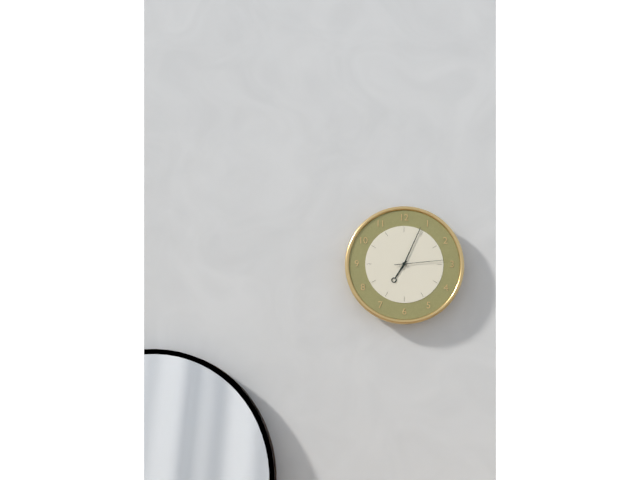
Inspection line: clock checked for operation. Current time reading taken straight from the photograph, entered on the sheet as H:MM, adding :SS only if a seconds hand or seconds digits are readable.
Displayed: 7:04
